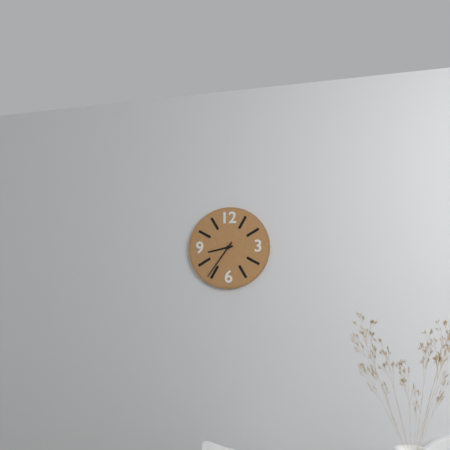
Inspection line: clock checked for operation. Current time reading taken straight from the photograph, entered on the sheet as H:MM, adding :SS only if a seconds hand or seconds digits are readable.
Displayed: 8:36
